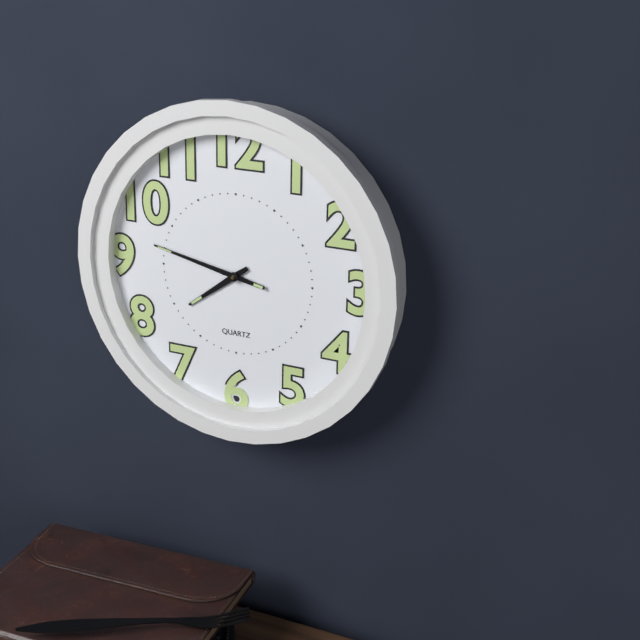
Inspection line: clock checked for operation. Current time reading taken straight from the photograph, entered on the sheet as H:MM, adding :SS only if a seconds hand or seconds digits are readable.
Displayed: 7:47
